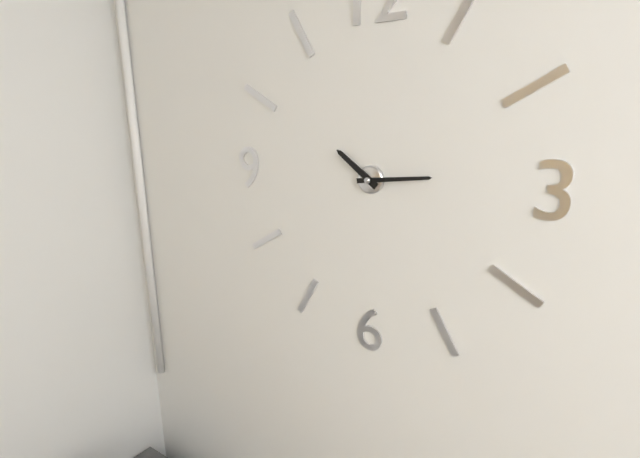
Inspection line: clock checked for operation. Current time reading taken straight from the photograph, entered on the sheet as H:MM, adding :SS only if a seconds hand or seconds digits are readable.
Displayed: 10:14
